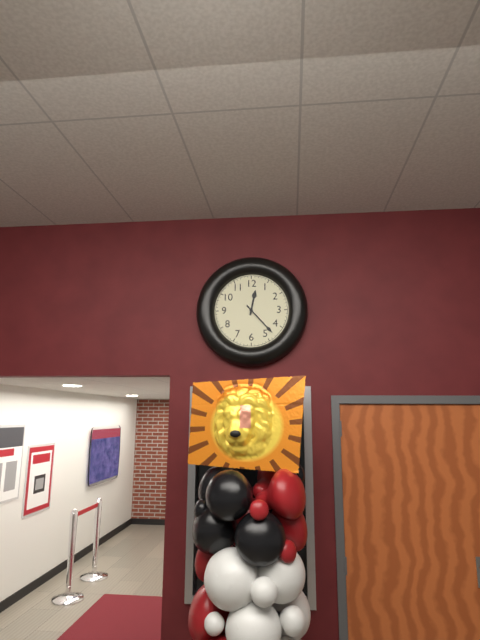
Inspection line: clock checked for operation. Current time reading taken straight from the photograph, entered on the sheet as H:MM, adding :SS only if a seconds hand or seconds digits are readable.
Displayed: 12:23
